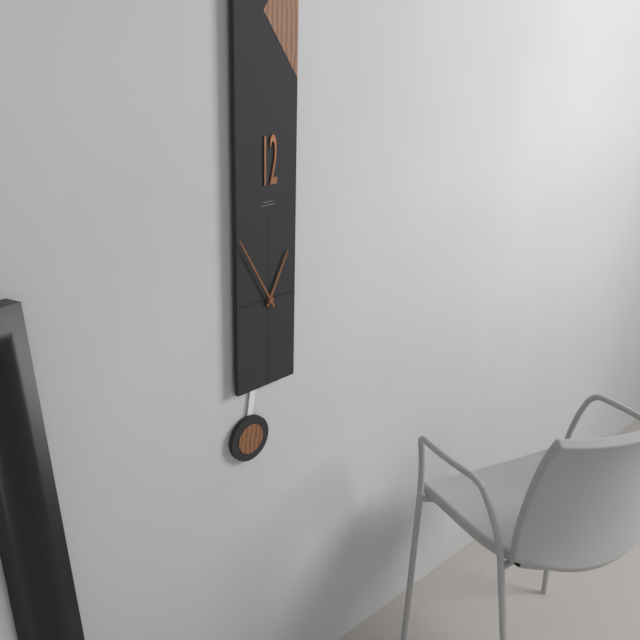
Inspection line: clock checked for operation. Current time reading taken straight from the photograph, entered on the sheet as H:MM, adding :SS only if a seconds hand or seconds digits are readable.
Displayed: 12:55
